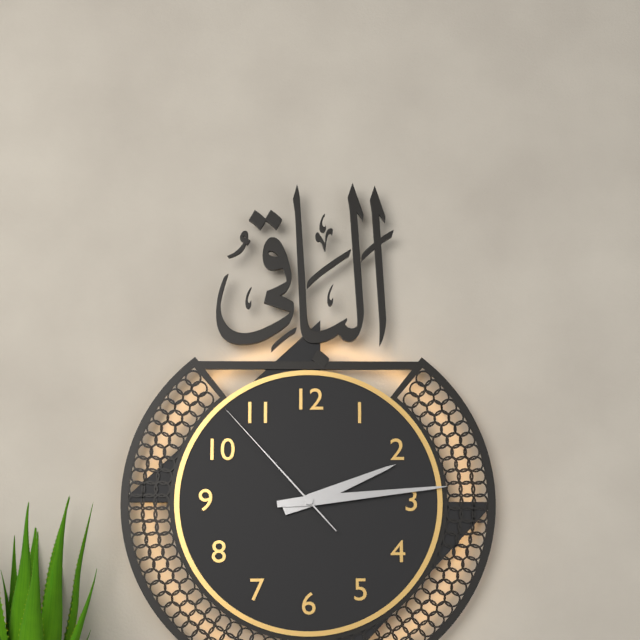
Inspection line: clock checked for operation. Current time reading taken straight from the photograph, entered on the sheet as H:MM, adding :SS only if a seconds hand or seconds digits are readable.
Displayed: 2:14:53
